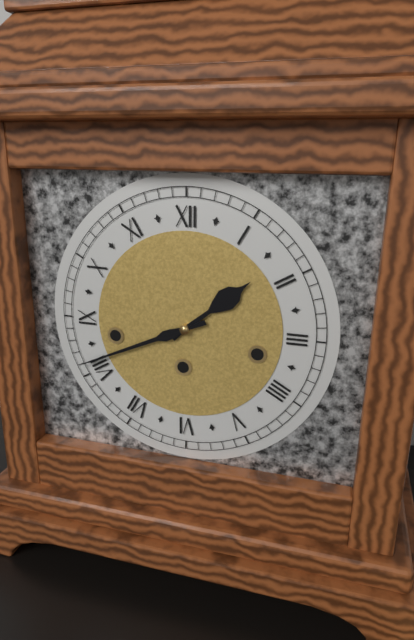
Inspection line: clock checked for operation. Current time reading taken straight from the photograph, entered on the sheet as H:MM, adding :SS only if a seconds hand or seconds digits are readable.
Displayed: 1:41
